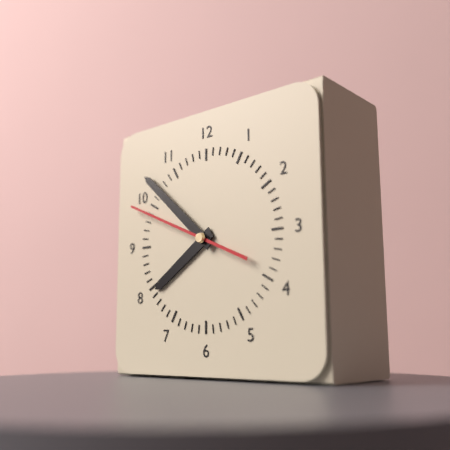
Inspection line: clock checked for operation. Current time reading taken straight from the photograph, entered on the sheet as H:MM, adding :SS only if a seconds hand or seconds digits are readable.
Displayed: 7:52:49
